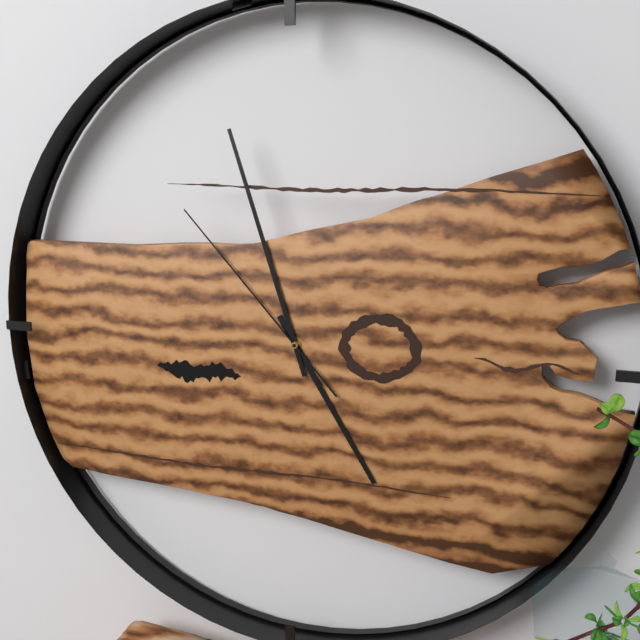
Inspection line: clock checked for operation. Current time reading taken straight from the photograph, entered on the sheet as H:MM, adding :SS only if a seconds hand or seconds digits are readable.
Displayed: 4:57:53
